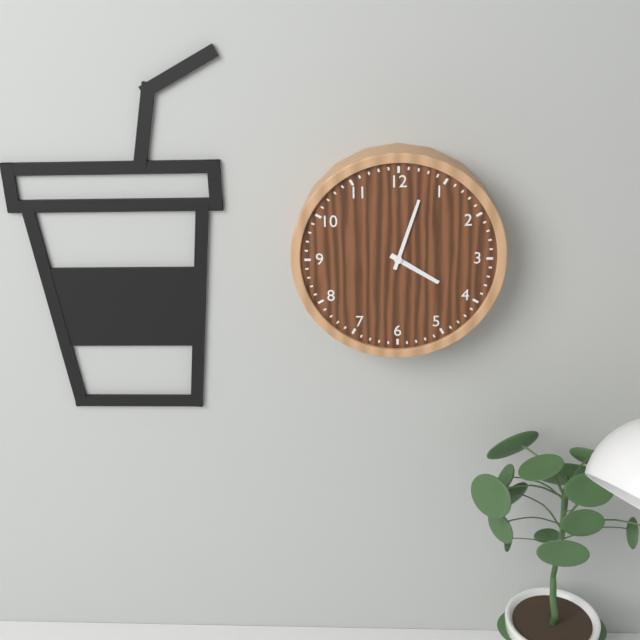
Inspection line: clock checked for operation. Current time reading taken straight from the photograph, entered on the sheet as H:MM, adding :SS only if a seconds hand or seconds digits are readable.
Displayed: 4:03
